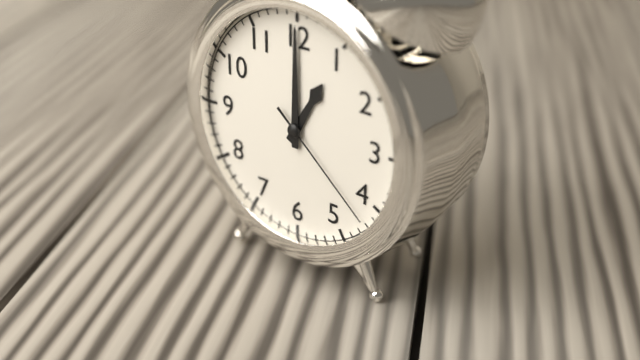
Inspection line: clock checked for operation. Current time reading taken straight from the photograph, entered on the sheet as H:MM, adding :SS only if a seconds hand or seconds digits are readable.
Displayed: 1:00:22
